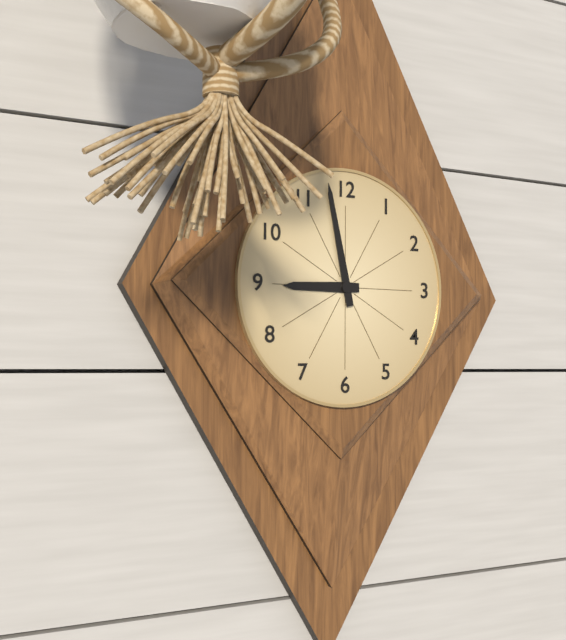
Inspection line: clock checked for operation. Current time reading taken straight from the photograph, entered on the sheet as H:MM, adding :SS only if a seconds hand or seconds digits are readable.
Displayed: 8:58
